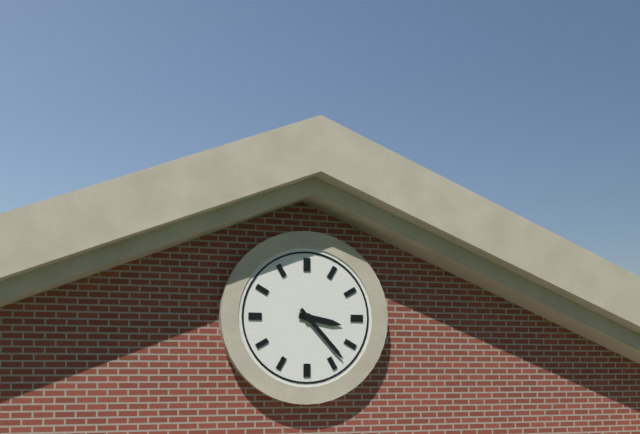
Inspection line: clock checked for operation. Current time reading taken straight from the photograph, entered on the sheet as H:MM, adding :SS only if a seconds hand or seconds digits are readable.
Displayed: 3:23
